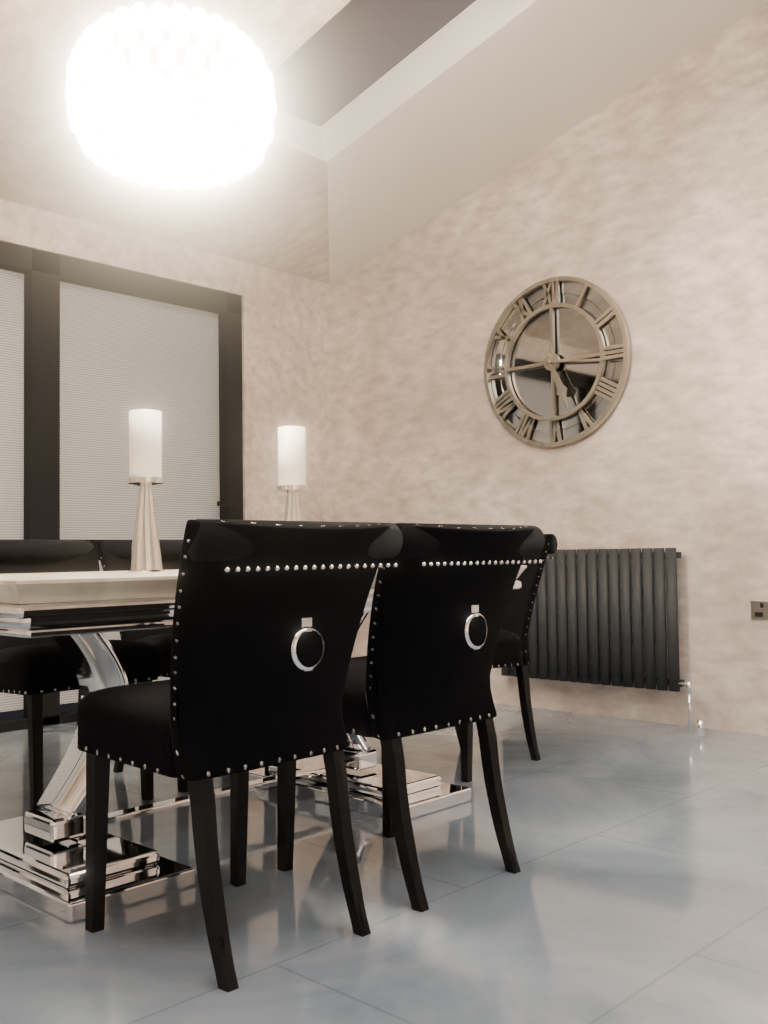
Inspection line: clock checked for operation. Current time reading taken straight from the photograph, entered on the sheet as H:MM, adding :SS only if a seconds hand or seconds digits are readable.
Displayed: 5:16
